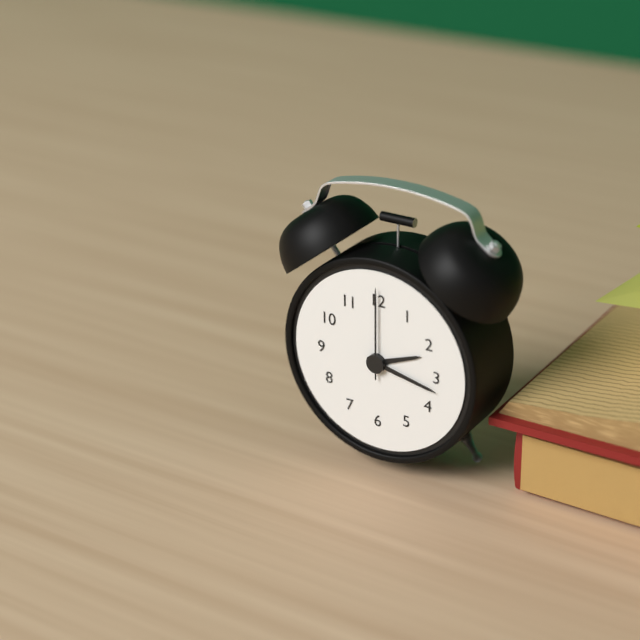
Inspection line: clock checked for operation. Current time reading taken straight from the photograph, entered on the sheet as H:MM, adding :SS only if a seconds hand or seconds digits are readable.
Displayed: 2:17:00
